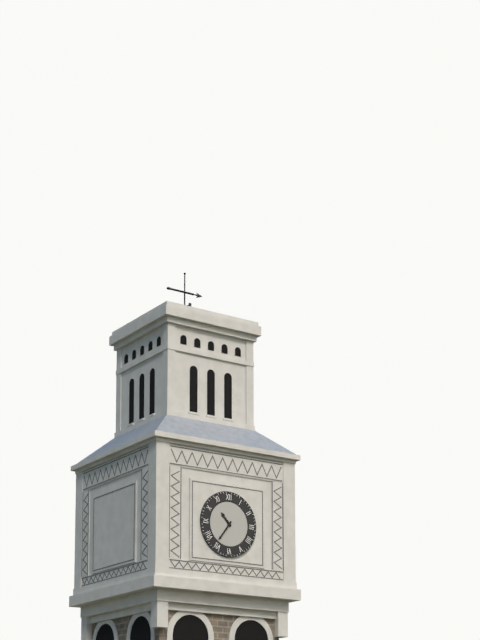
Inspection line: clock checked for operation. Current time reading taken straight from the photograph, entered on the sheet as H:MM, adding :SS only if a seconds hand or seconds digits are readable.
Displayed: 10:36
